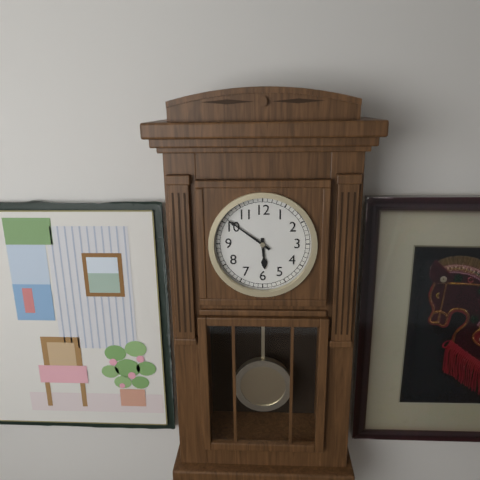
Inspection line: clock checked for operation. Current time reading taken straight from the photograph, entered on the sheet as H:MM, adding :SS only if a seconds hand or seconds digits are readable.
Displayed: 5:51
